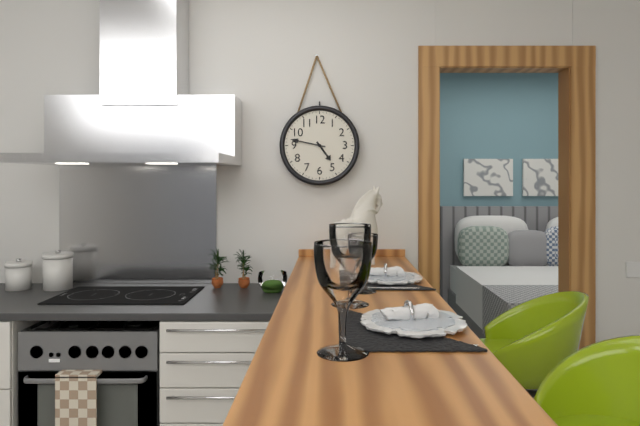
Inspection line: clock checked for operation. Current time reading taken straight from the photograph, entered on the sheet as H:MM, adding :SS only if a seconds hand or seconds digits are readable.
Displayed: 4:47
